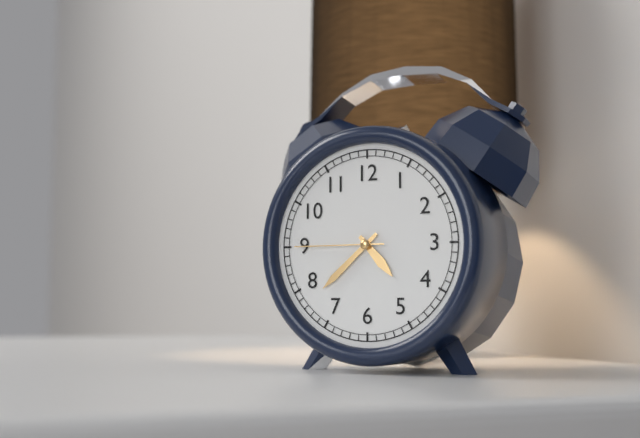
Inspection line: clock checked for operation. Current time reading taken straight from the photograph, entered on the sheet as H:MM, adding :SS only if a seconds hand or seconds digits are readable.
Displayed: 4:38:45
